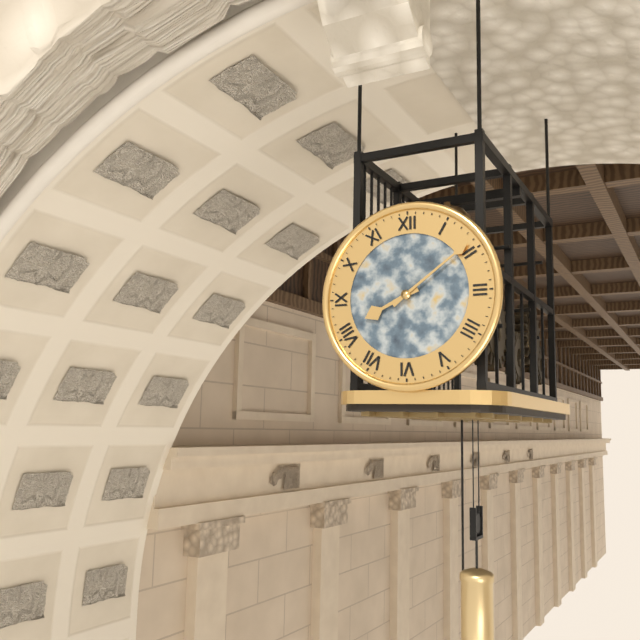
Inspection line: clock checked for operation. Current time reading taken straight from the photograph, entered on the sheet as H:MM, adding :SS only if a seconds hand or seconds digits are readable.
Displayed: 8:09
